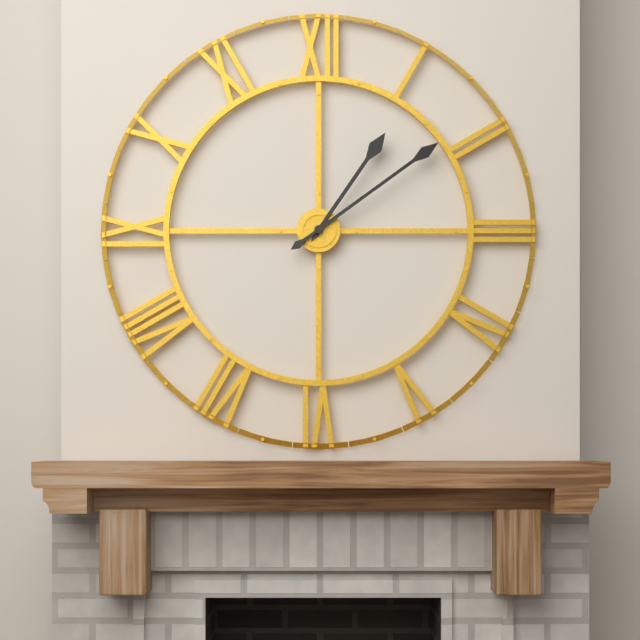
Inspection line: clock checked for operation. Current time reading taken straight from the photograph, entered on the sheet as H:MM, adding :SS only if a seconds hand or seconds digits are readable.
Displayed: 1:09
